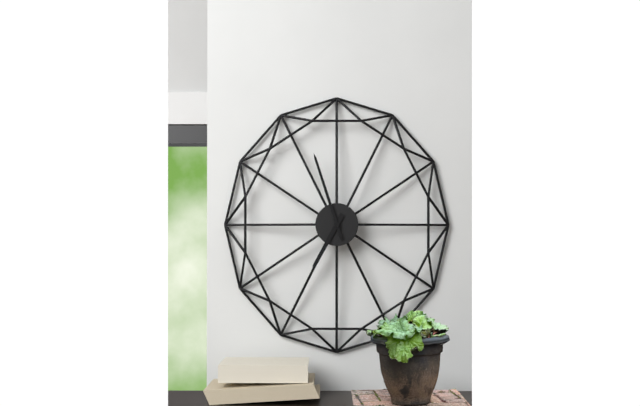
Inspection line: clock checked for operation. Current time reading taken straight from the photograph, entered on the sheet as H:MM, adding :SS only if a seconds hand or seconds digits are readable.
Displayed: 6:57
